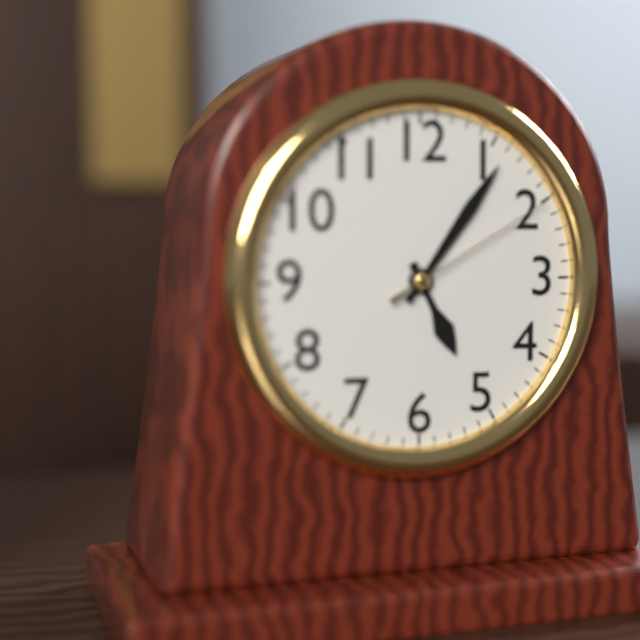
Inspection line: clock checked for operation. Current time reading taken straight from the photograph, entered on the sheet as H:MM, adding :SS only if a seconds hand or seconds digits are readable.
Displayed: 5:06:10
